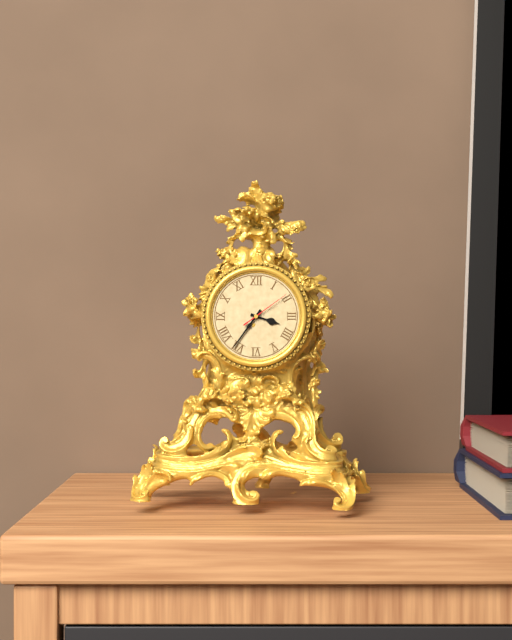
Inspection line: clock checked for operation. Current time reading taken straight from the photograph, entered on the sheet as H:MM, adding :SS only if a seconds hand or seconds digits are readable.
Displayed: 3:36
